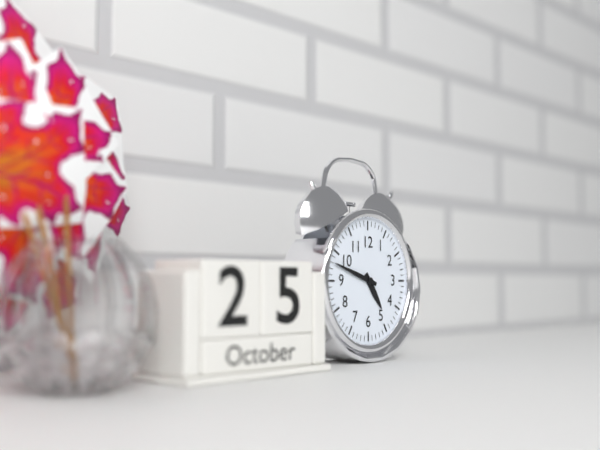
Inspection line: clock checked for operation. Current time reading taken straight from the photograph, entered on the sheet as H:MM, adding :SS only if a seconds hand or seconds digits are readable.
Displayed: 4:48
